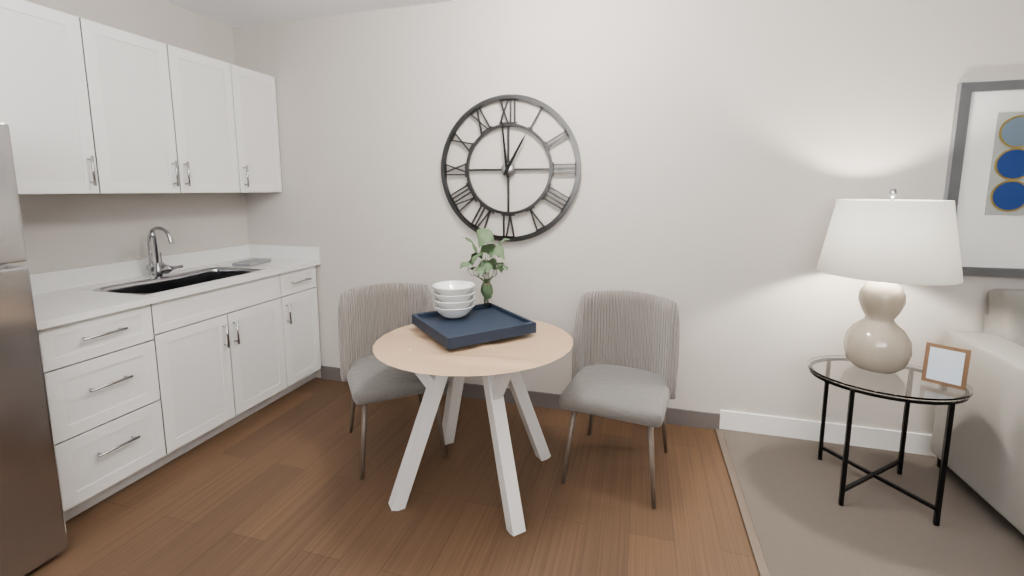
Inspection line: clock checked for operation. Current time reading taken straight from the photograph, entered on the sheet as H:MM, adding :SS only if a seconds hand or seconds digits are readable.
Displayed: 12:59
